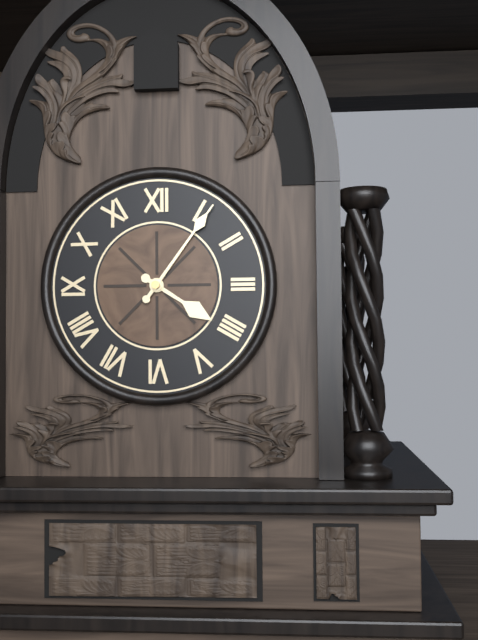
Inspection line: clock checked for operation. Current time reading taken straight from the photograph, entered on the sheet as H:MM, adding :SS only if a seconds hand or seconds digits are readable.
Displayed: 4:06
